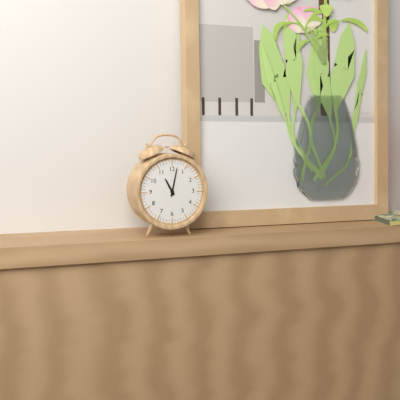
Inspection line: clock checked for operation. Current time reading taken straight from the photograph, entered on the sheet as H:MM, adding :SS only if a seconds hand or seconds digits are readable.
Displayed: 11:02
